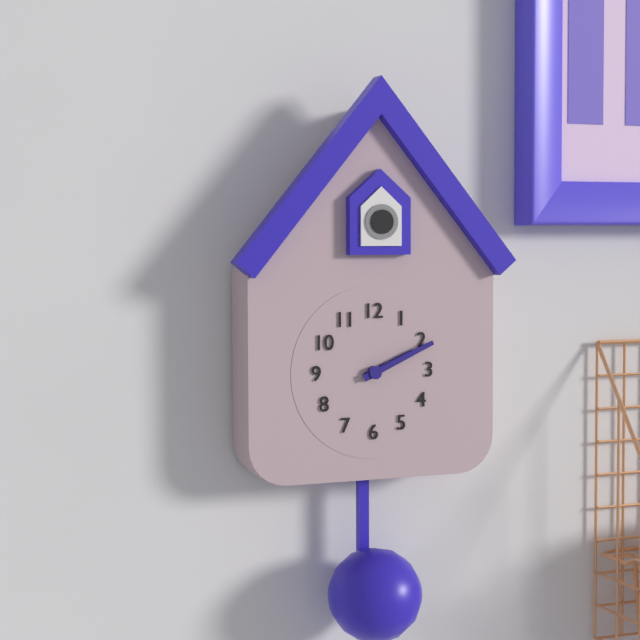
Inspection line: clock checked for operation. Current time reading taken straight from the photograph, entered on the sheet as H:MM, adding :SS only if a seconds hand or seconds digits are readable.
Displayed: 2:11
